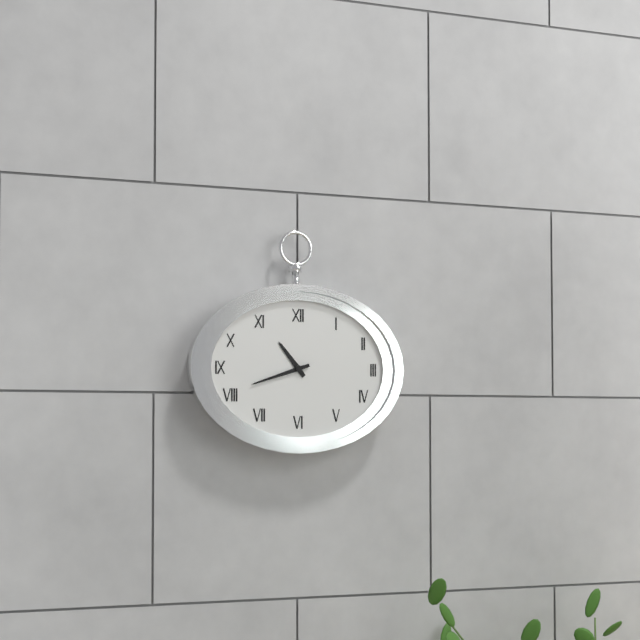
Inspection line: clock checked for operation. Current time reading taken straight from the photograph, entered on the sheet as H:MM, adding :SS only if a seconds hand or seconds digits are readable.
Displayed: 10:42
